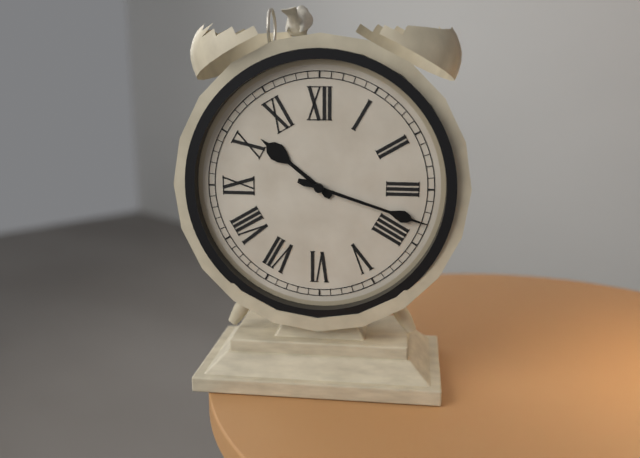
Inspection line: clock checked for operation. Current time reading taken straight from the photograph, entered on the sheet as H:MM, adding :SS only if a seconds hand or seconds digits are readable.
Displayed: 10:18
